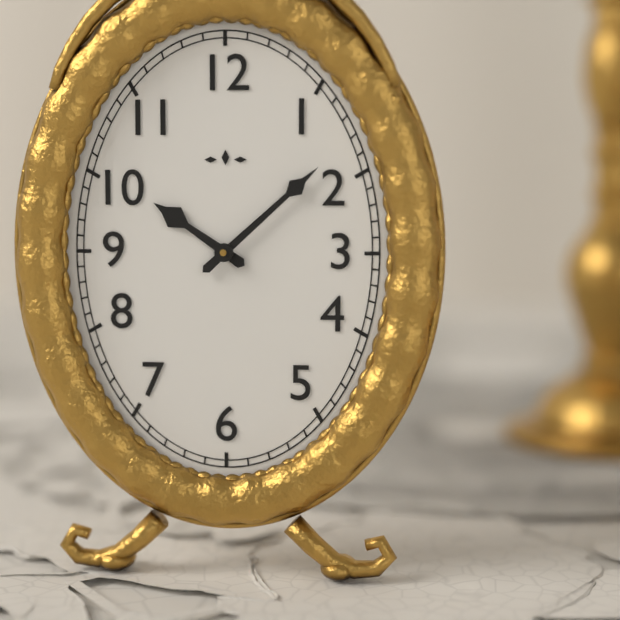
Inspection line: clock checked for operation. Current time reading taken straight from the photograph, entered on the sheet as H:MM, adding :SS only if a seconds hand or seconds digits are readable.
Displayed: 10:08
